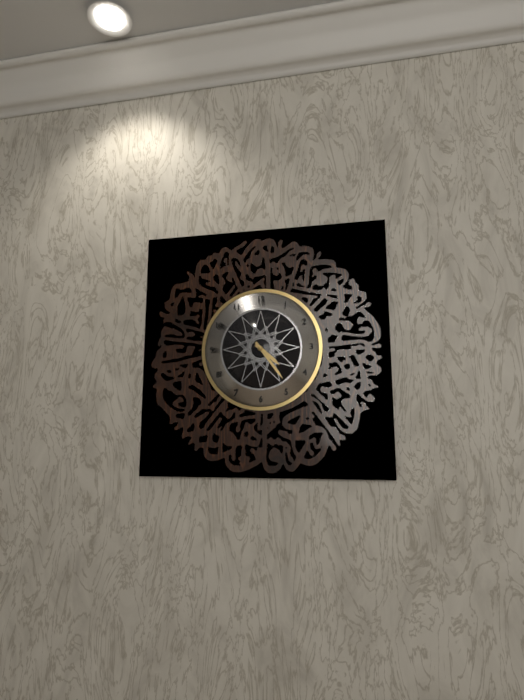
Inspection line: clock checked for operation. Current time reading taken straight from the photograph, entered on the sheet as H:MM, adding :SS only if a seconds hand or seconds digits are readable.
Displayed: 4:24
